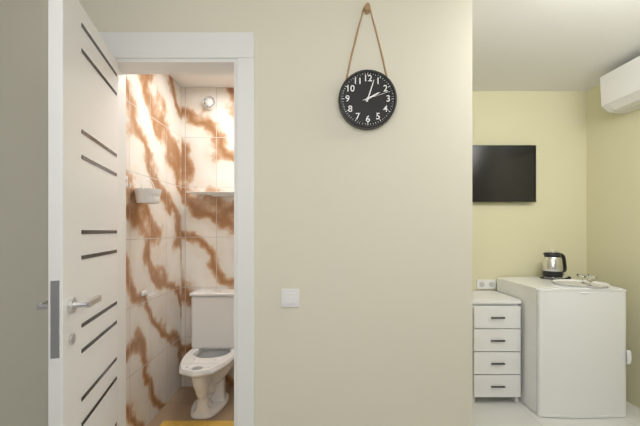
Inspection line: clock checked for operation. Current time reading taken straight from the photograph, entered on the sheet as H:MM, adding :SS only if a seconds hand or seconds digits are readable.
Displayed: 2:03
